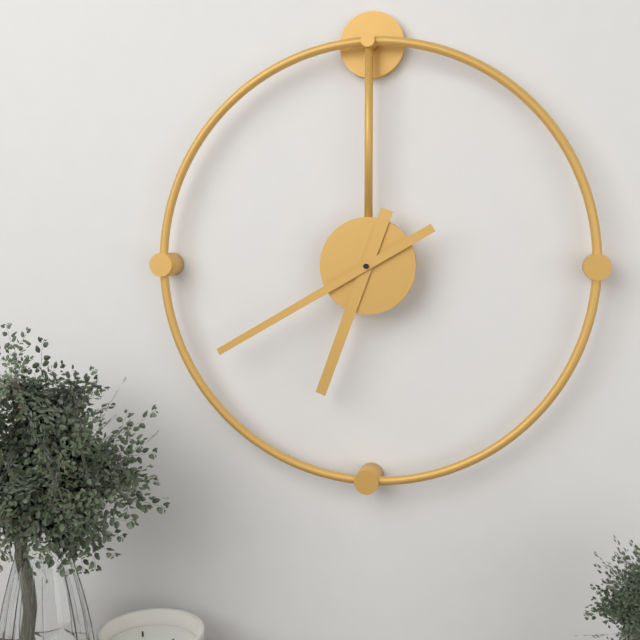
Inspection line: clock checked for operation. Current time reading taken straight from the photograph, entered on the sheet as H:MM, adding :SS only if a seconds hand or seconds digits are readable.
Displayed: 6:40
